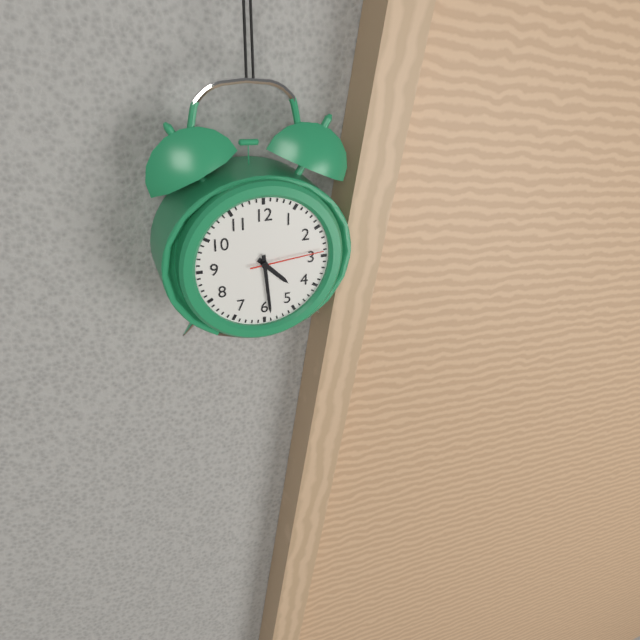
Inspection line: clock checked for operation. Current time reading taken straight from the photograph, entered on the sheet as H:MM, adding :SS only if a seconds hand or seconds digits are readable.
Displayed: 4:29:14
